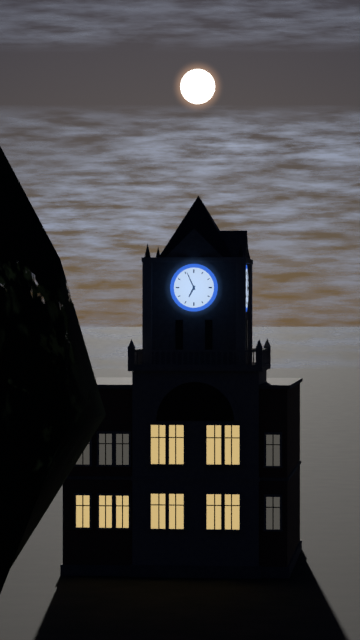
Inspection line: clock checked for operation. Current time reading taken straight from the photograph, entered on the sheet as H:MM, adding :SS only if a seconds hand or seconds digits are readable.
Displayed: 6:56
